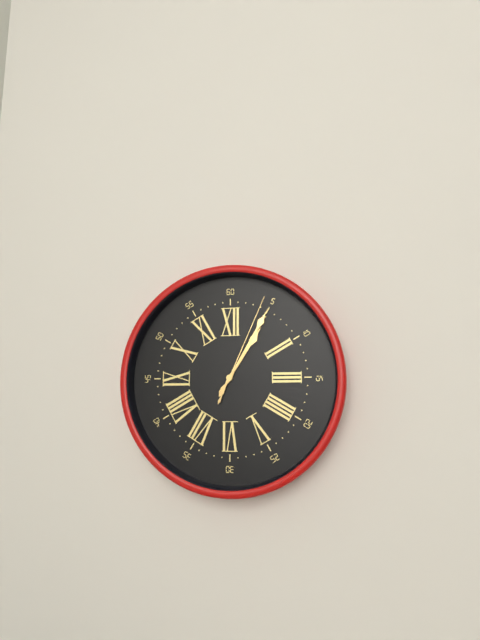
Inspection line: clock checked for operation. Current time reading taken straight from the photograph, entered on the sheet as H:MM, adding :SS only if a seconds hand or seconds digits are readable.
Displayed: 1:05:04
